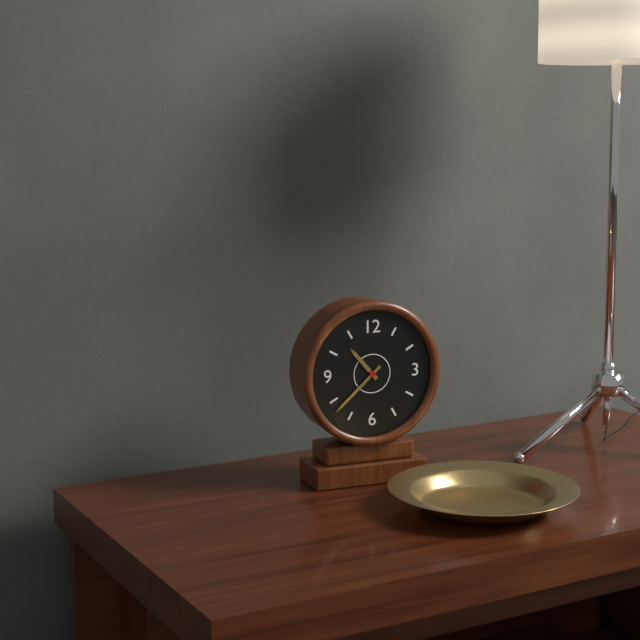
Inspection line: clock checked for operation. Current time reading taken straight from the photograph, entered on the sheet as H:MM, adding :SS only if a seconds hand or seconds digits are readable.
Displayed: 10:38
